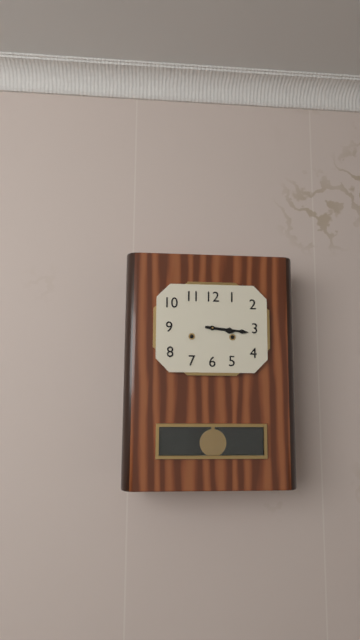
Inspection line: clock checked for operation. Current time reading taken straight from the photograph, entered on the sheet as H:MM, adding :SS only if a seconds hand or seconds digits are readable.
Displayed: 3:16
